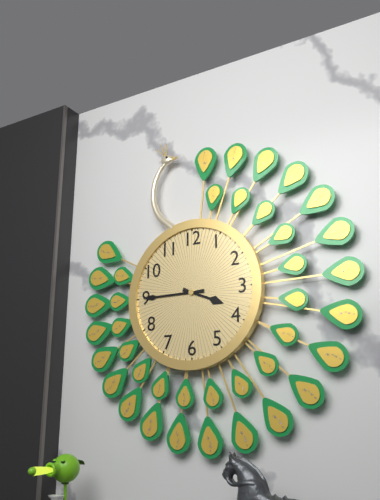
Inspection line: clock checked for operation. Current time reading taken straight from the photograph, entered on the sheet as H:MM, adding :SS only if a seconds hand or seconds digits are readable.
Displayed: 3:45
